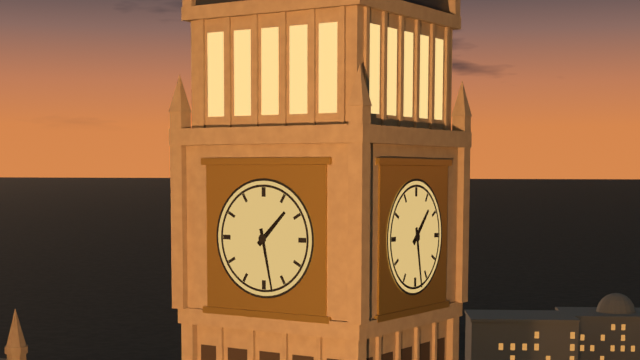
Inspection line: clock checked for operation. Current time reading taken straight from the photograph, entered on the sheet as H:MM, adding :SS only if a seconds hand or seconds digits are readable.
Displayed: 1:28
